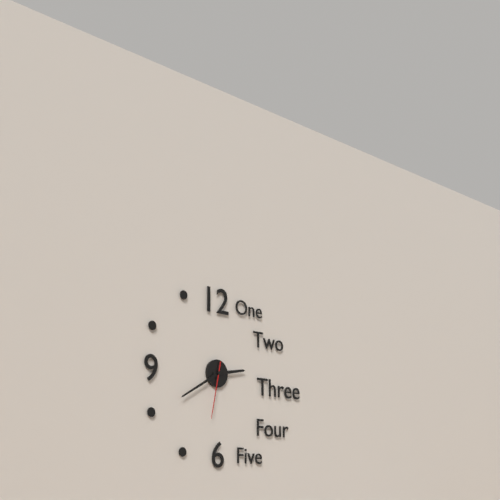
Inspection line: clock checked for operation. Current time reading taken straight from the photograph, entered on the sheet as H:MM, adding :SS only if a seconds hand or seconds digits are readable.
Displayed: 2:40:32
